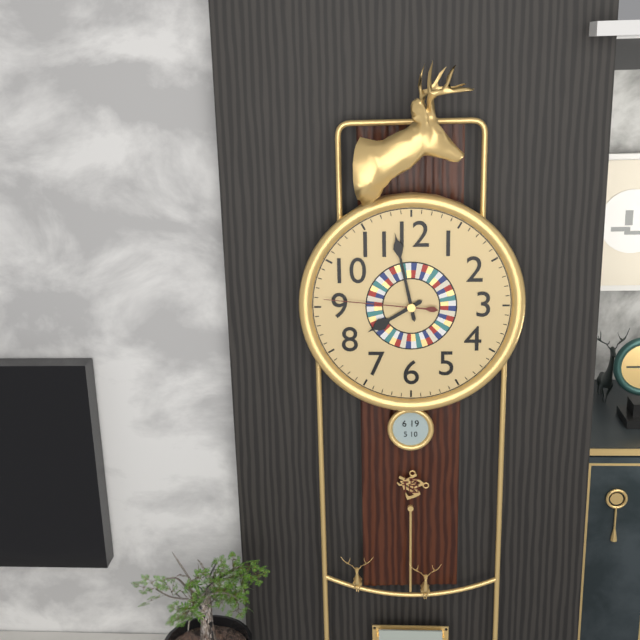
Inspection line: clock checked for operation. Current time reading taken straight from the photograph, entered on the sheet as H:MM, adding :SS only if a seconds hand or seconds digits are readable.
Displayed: 7:58:46
